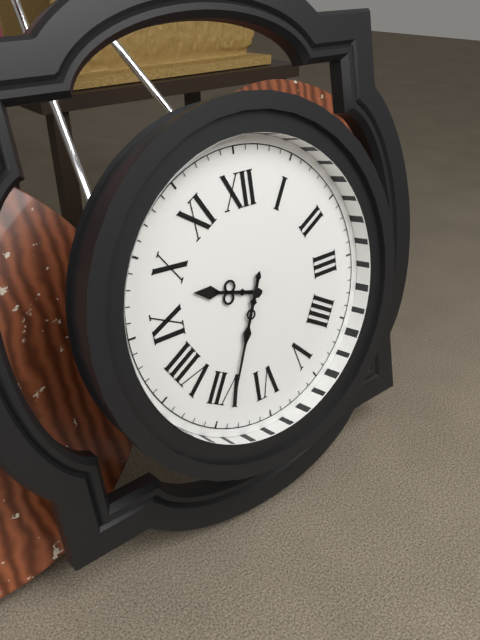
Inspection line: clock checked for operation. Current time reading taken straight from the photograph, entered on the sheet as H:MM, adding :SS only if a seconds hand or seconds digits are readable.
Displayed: 9:34
